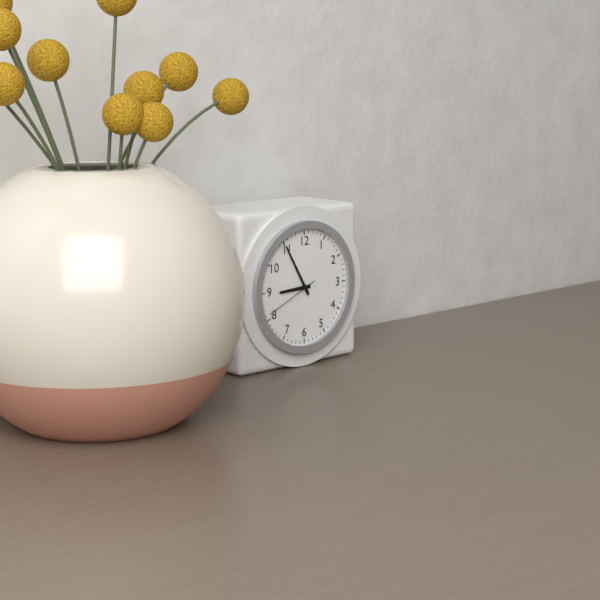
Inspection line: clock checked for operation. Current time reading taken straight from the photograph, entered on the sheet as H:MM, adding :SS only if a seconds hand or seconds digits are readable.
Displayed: 8:55:41
